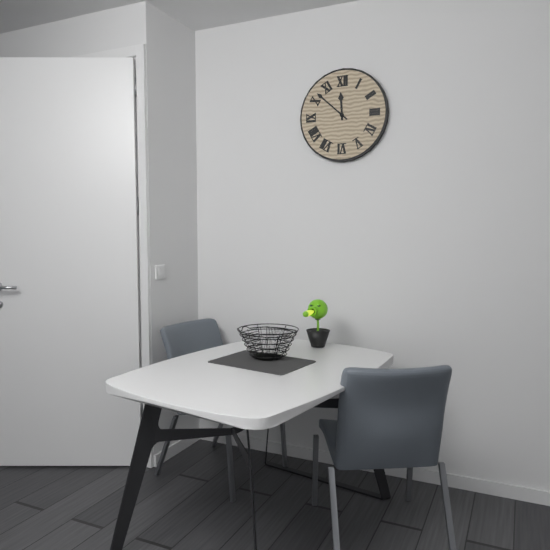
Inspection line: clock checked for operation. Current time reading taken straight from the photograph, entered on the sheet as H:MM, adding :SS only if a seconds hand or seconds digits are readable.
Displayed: 11:52
